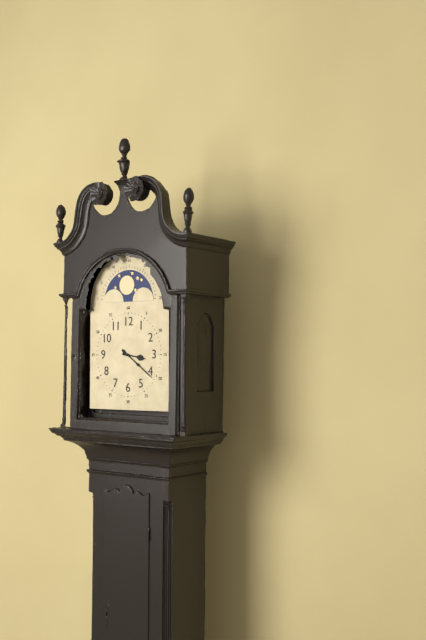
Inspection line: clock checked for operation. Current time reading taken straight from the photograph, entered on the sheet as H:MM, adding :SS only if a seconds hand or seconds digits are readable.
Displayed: 3:21
